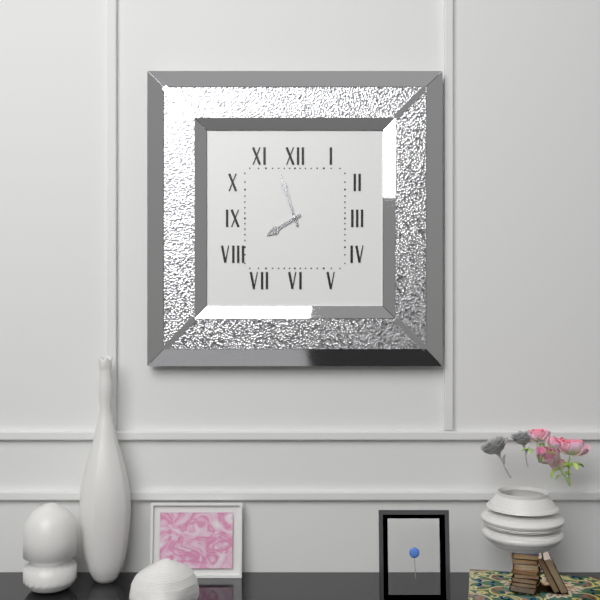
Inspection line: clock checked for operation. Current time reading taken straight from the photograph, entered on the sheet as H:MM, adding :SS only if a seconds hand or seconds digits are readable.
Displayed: 7:57
